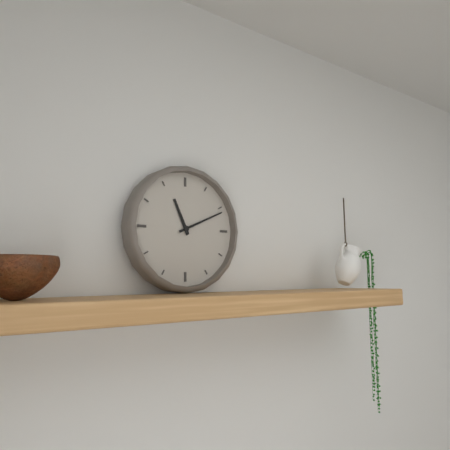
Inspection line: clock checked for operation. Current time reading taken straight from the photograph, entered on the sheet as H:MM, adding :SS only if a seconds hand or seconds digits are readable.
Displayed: 11:11
